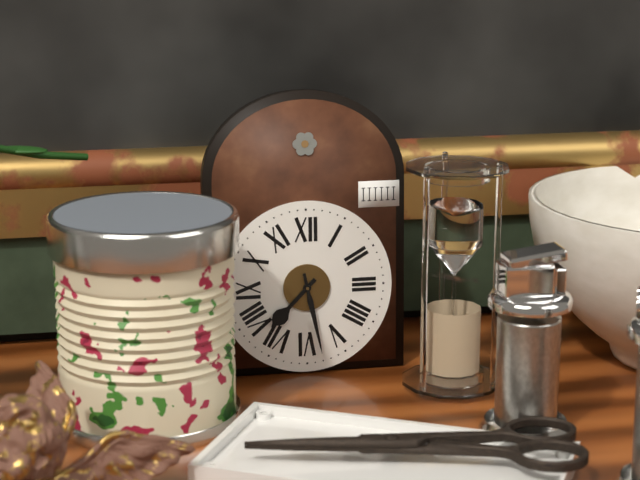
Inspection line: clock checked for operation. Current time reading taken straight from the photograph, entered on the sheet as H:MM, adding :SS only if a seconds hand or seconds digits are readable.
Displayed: 7:28
